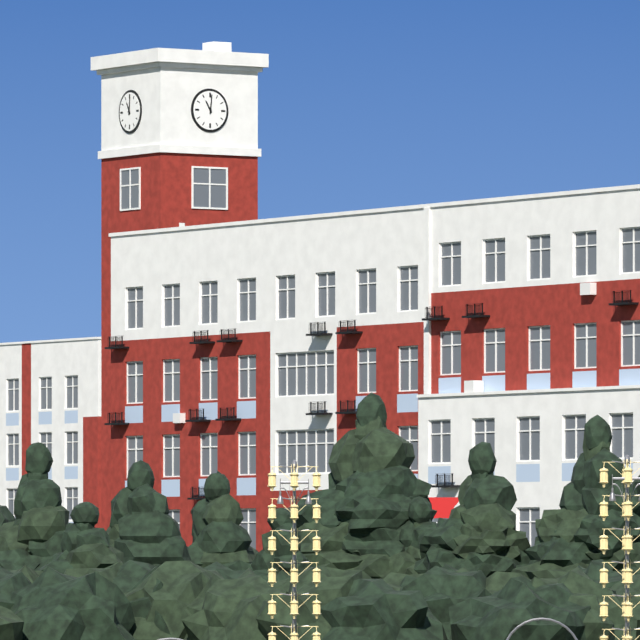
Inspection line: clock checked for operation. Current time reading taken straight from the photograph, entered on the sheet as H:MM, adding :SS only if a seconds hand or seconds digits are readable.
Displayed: 11:01
